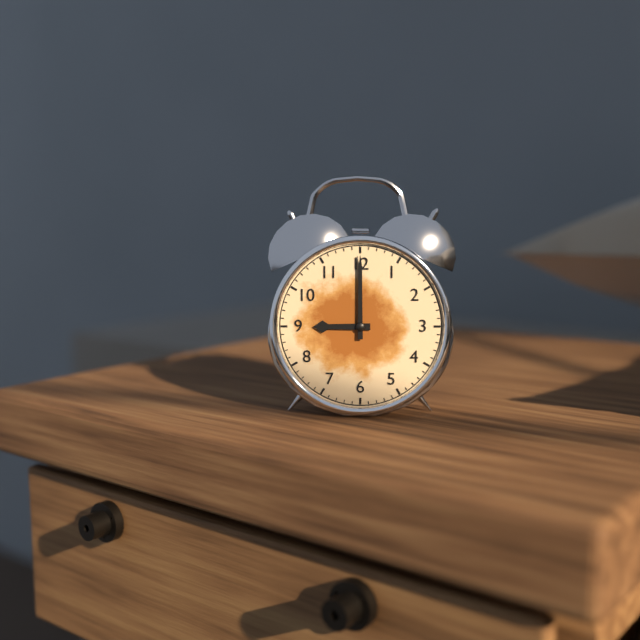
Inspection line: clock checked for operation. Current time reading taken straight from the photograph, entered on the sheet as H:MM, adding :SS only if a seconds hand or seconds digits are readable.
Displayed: 9:00
